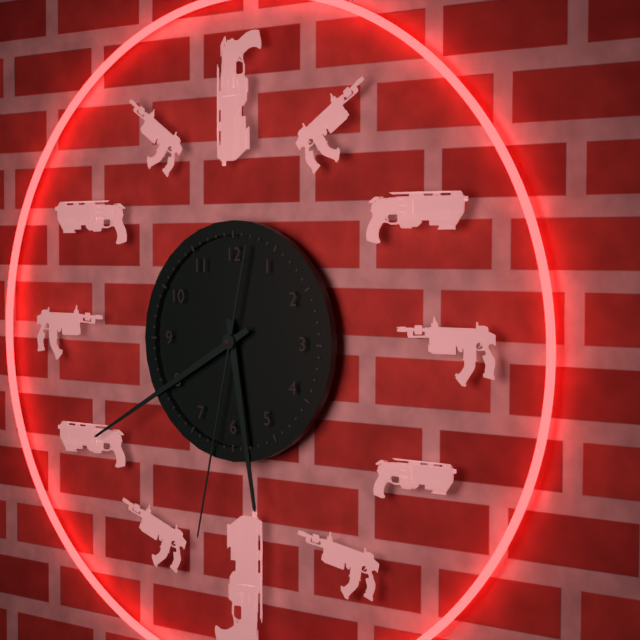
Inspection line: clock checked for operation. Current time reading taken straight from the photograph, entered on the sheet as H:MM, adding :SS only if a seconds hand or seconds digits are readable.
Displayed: 5:40:32
